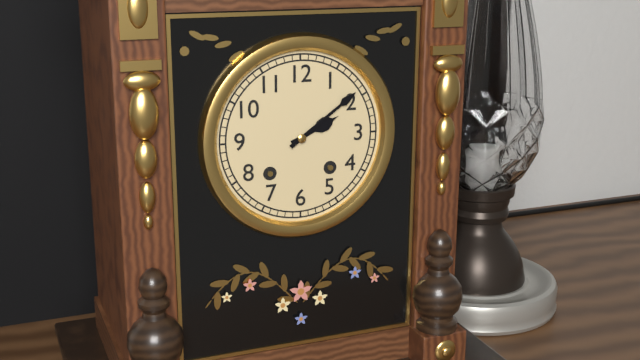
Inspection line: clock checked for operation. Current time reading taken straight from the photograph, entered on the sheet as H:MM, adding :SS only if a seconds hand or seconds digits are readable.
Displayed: 2:09
